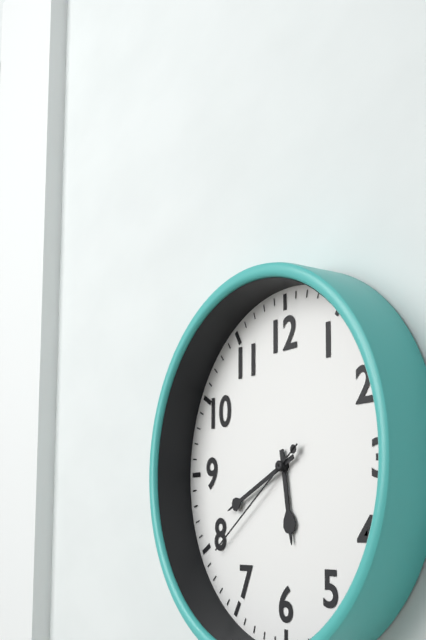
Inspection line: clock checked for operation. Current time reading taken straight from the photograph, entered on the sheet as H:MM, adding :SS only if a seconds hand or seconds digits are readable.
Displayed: 5:41:39
